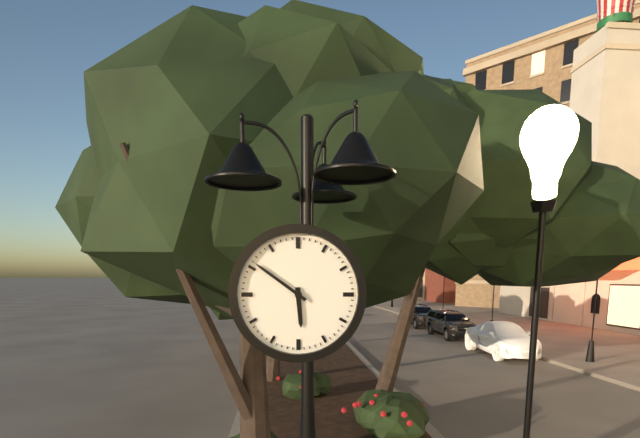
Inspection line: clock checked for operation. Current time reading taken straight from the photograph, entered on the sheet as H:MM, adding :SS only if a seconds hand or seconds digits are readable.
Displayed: 5:51
